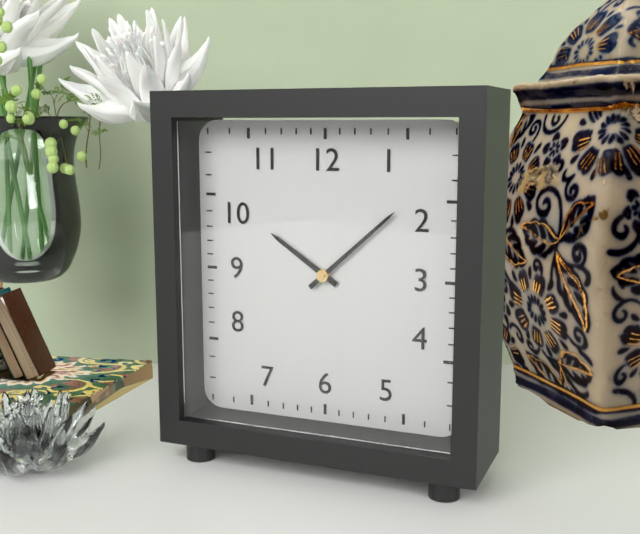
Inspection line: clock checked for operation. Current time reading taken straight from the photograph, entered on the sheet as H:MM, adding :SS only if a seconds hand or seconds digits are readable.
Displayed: 10:08
